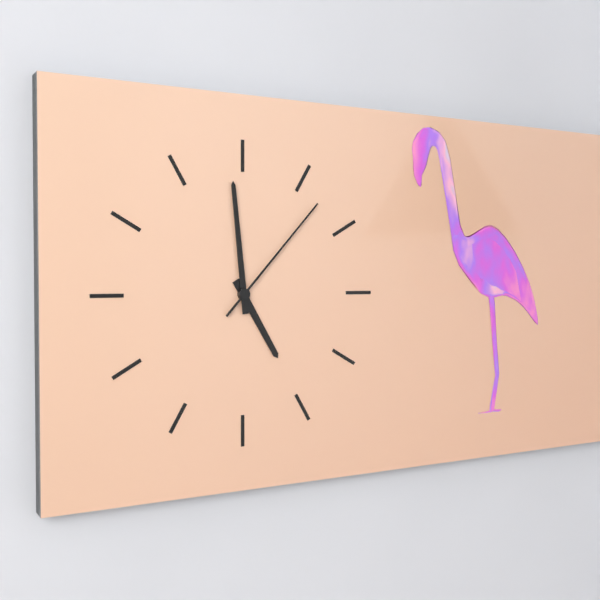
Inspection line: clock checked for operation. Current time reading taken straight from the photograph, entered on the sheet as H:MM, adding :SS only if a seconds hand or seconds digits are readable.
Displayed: 4:59:07
